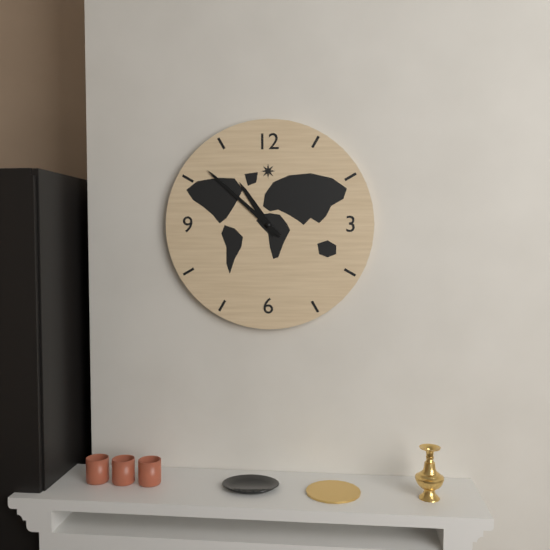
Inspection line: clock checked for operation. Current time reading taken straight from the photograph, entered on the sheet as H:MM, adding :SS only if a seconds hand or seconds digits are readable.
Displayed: 10:52
